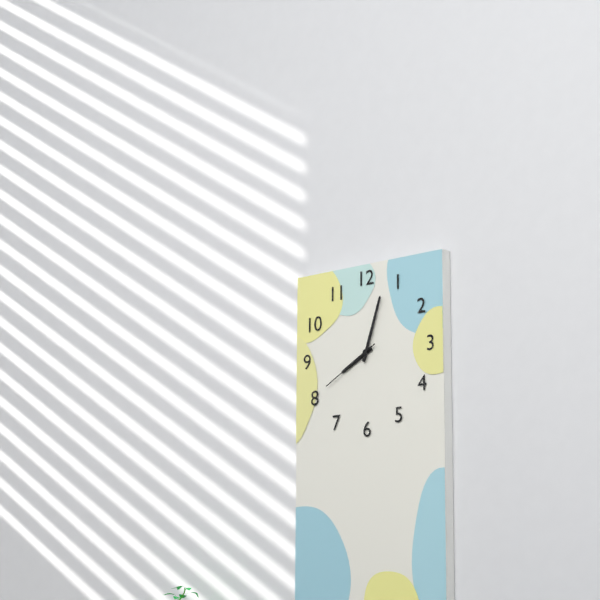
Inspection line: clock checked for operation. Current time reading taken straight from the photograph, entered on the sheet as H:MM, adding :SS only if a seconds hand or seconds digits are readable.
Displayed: 8:03:40
